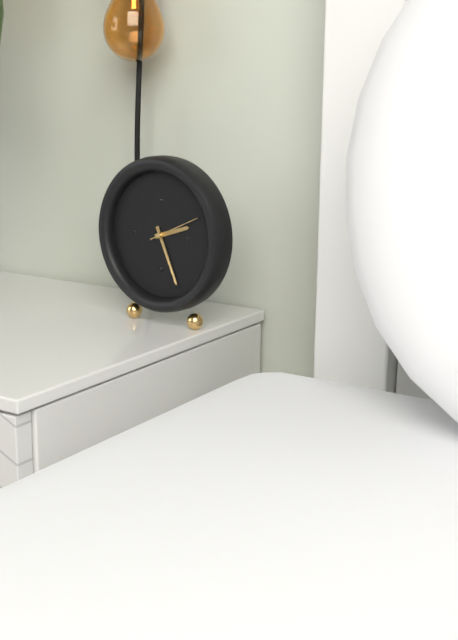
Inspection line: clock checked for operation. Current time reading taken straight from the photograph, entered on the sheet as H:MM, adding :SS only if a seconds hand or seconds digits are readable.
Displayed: 2:26
